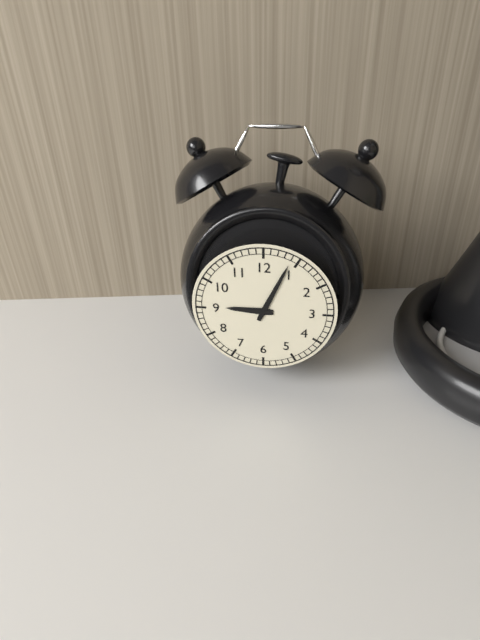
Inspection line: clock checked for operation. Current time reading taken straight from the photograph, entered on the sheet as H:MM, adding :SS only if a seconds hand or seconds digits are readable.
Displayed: 9:04
